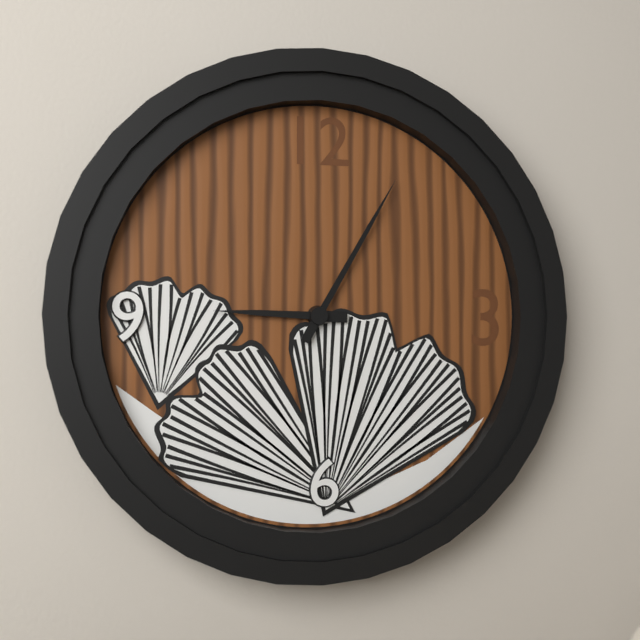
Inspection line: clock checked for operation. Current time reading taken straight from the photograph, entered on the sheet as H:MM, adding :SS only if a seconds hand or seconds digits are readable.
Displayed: 9:05
